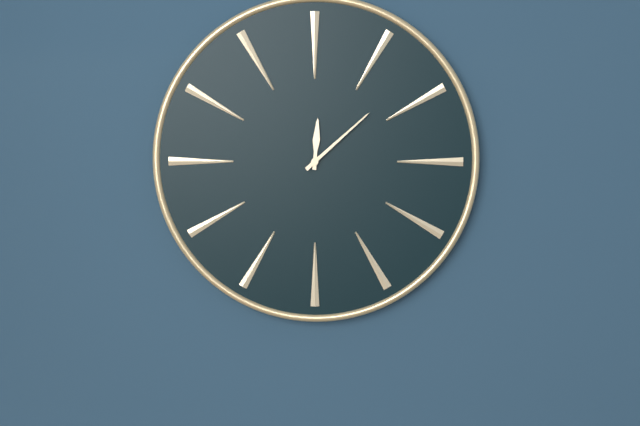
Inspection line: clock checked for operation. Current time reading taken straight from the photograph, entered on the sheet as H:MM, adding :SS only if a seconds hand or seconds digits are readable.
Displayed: 12:08
